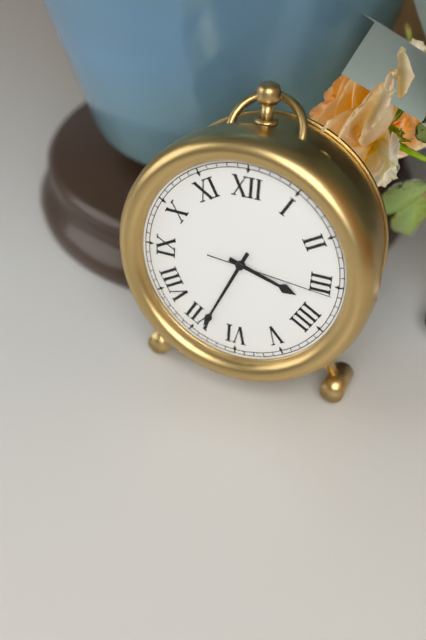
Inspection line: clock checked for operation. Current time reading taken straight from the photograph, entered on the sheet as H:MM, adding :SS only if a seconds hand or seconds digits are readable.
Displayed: 3:34:16
